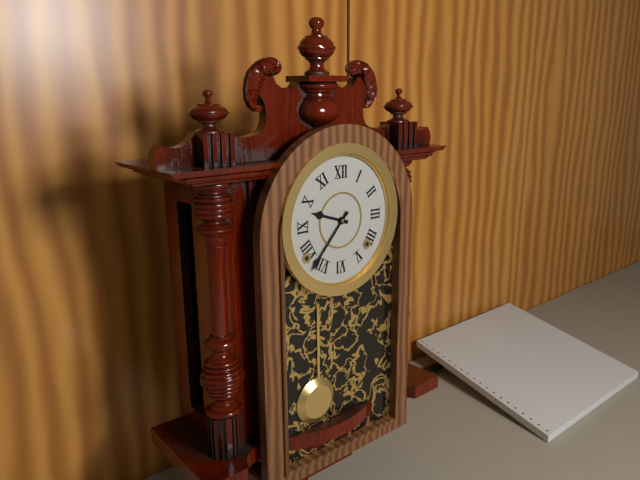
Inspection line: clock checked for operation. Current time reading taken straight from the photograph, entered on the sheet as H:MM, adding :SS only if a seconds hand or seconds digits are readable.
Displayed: 9:37
